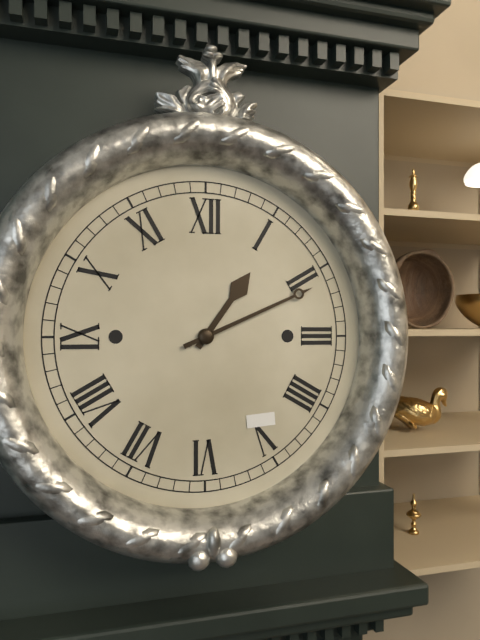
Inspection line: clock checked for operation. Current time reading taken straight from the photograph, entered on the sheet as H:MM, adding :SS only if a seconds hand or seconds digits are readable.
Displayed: 1:11
